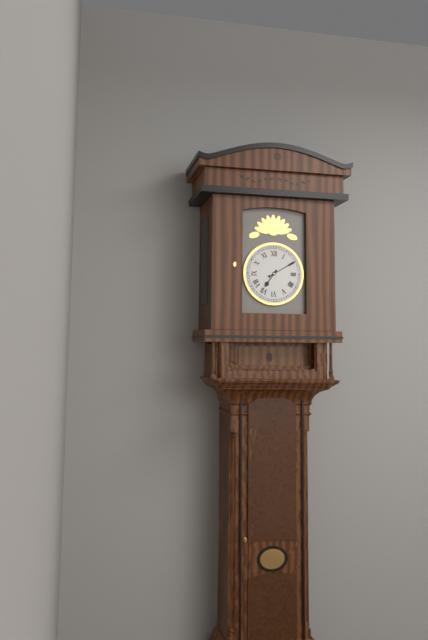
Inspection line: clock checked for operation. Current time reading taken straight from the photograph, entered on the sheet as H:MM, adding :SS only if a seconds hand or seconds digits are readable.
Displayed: 7:10
